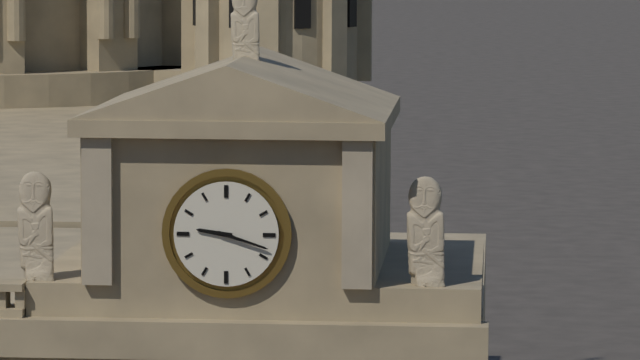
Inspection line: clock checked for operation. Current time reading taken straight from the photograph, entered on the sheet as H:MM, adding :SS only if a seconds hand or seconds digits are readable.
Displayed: 9:18
